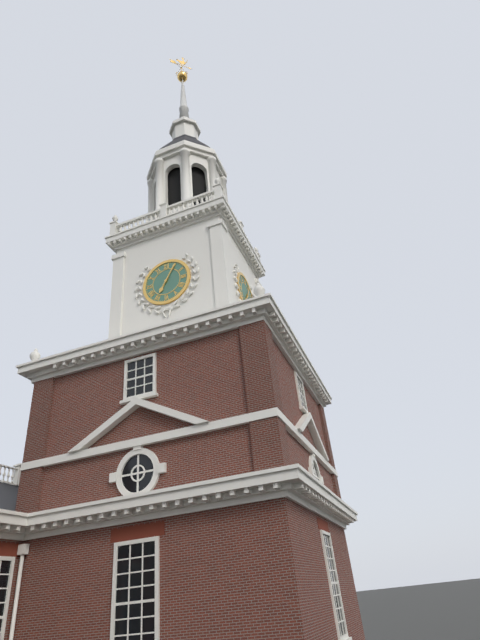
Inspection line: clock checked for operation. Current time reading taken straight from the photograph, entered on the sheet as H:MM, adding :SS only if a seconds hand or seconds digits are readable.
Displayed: 7:05
